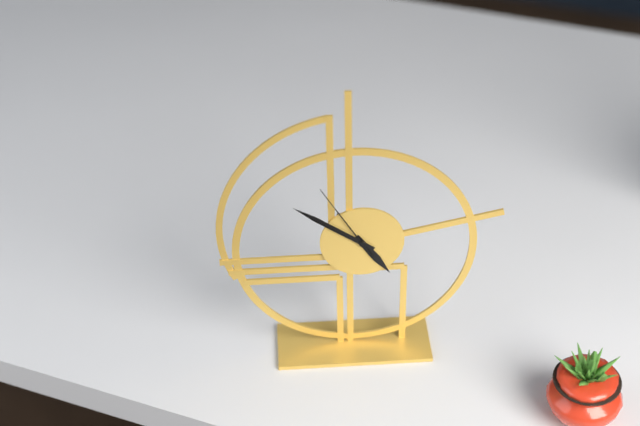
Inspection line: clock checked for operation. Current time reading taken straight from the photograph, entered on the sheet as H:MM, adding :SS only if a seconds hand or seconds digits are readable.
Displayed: 4:51:55
